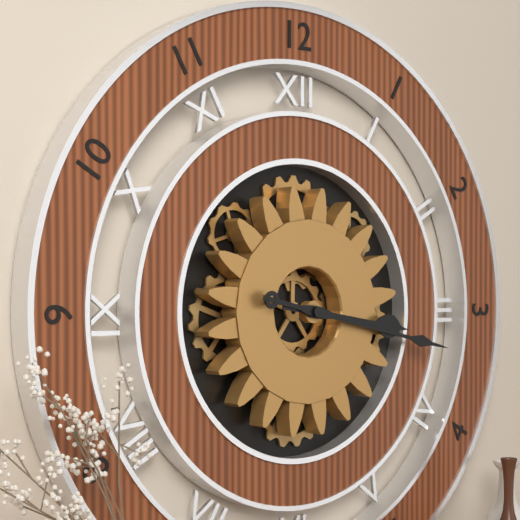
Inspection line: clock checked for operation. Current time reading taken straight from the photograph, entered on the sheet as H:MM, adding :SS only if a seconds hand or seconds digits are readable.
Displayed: 3:17
